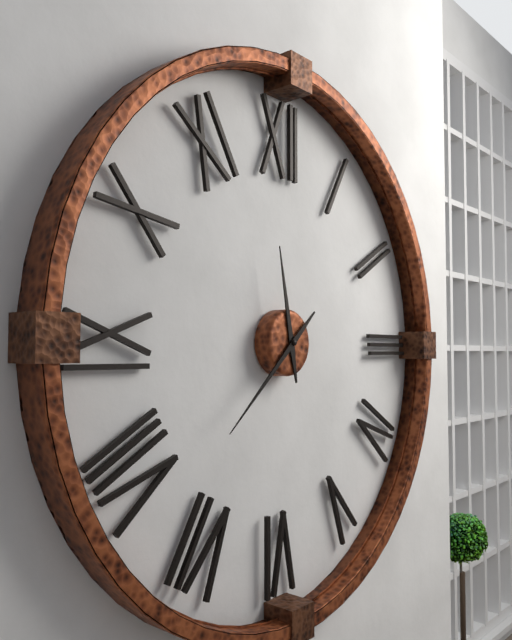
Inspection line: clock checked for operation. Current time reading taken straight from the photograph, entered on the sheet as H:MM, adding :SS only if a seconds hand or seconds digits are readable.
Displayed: 11:38
